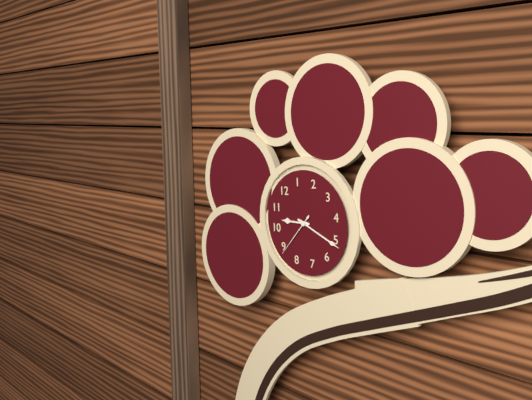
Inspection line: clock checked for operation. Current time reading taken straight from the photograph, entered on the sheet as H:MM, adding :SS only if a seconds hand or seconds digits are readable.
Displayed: 10:26
